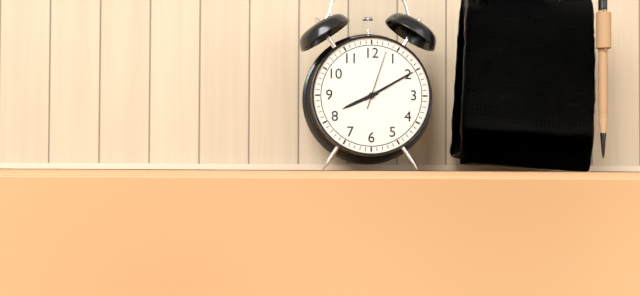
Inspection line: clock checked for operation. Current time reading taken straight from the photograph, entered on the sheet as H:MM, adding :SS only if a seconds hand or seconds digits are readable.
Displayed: 8:10:03
